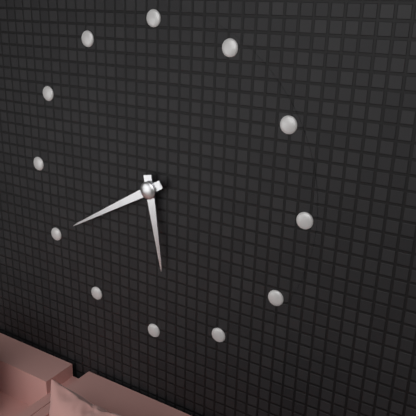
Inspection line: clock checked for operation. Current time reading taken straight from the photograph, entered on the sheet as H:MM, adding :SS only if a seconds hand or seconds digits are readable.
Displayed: 5:40
